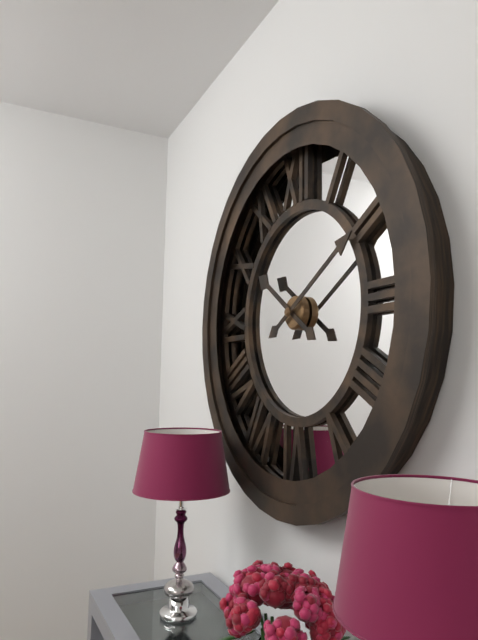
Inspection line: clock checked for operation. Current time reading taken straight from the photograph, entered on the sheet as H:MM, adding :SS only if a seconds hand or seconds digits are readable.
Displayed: 10:10
